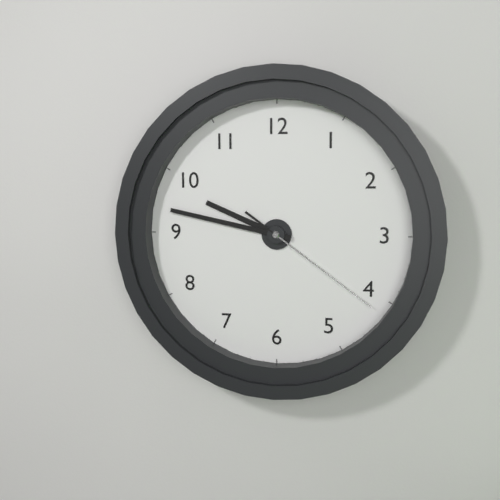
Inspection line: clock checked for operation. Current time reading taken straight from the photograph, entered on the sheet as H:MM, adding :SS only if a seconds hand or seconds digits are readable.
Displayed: 9:47:21
